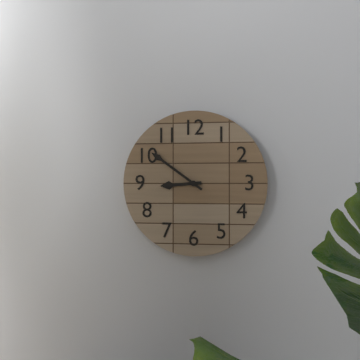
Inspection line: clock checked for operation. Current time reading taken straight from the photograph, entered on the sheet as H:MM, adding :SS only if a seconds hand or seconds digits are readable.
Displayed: 8:51
